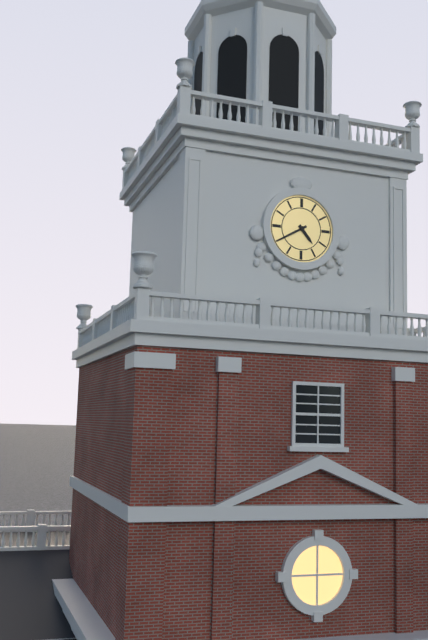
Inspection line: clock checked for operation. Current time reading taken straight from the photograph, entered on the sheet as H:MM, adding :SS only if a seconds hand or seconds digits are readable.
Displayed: 4:40
